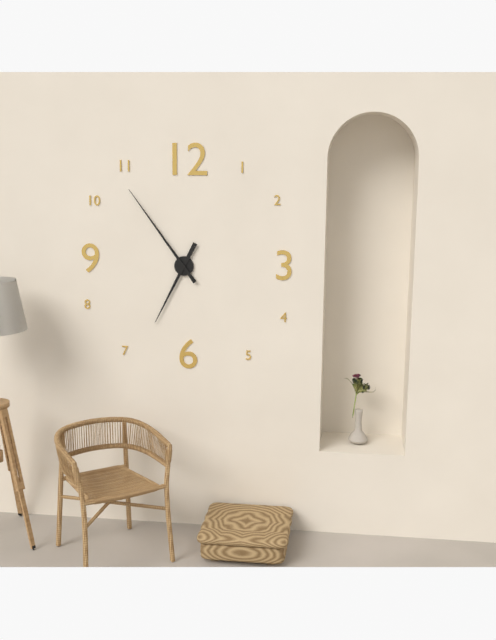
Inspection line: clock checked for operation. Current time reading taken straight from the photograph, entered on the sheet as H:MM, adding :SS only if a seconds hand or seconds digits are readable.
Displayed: 6:54
